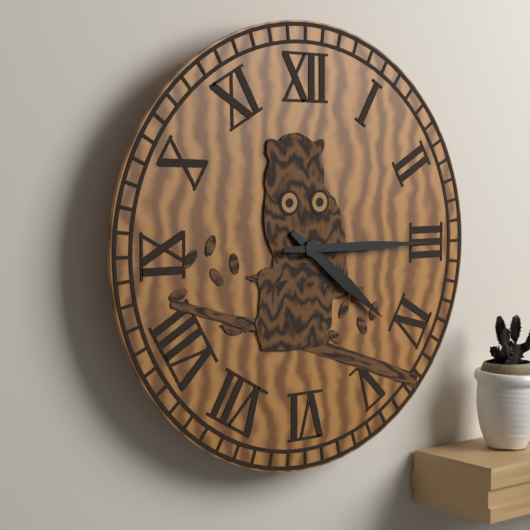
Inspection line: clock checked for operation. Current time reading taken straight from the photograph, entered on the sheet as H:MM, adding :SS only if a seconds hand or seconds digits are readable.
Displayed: 4:15
